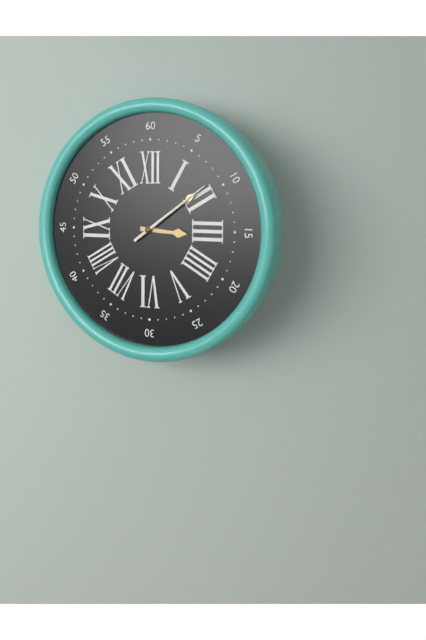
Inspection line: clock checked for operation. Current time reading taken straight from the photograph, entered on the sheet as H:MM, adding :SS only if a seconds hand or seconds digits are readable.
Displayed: 3:09:09
